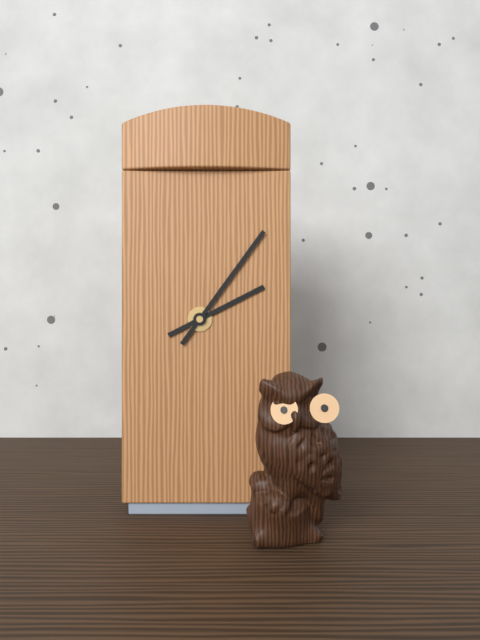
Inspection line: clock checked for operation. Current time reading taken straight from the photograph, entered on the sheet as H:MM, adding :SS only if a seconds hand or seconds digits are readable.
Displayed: 2:06
